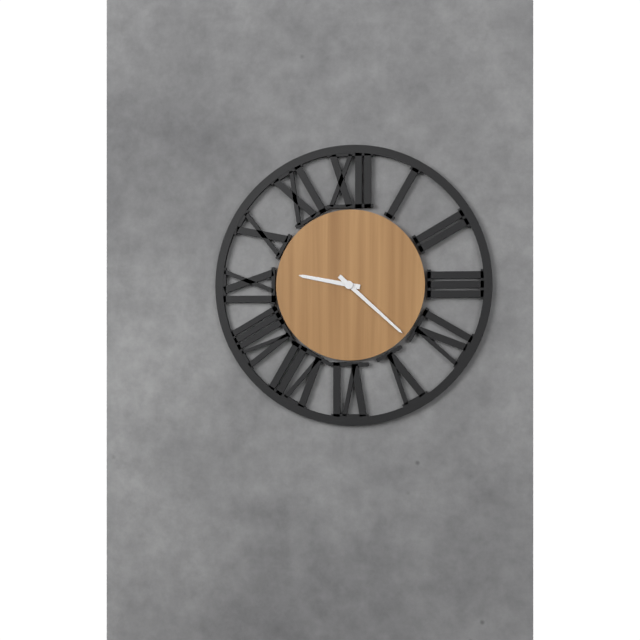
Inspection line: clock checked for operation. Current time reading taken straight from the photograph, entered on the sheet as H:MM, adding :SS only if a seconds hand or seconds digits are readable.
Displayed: 9:22
